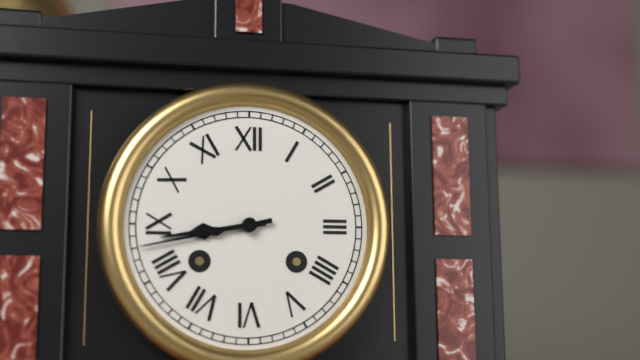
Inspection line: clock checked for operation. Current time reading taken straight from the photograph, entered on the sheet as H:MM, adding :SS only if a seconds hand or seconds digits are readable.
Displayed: 8:43
